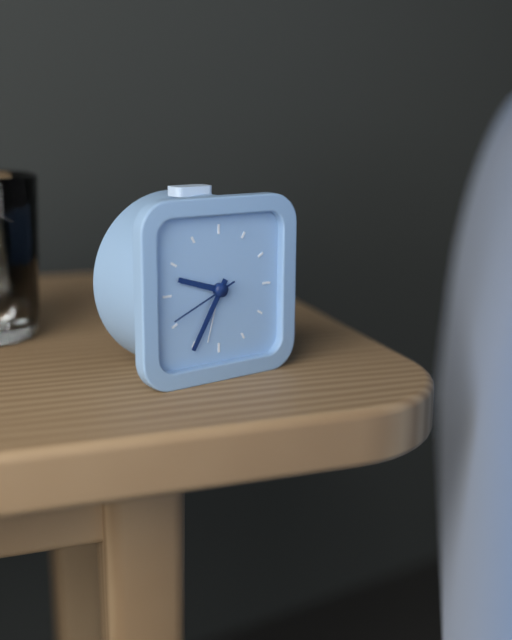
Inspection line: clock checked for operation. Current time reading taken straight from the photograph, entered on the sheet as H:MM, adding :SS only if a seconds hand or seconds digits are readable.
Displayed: 9:35:41
